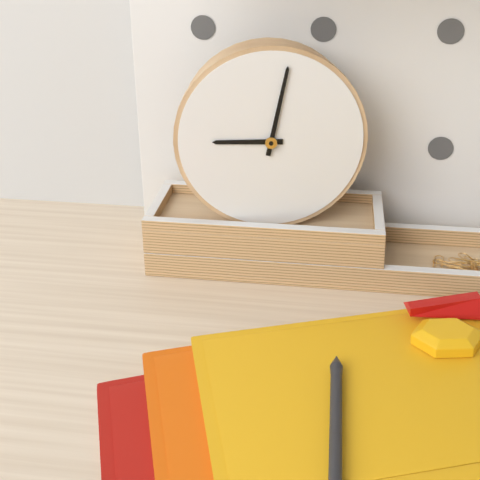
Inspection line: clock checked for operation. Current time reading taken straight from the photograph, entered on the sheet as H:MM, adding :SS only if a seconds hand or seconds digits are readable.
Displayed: 9:02
